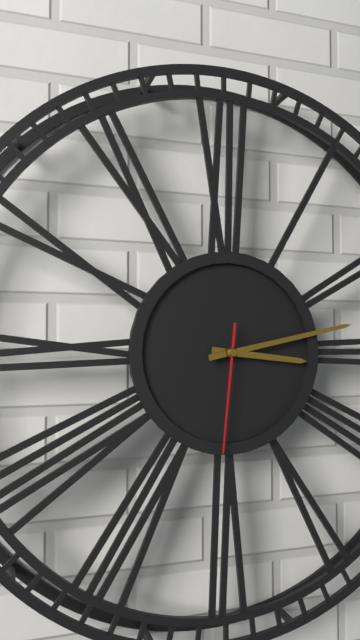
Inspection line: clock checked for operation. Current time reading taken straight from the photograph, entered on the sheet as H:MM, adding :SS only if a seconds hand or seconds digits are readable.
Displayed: 3:13:31
